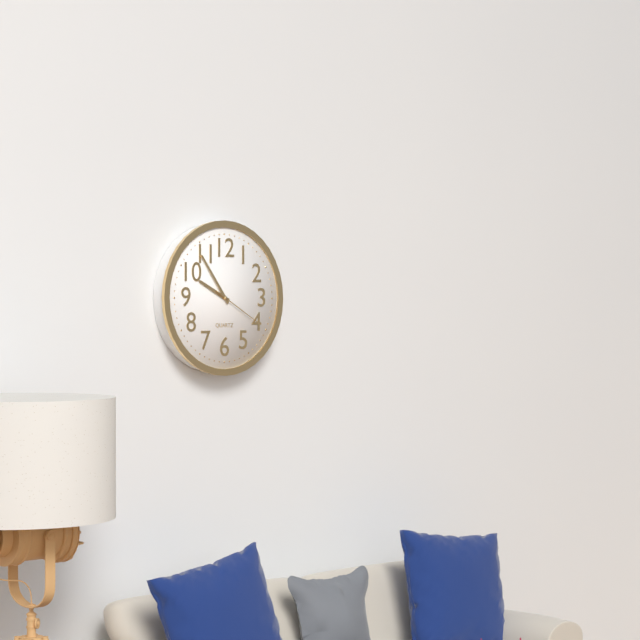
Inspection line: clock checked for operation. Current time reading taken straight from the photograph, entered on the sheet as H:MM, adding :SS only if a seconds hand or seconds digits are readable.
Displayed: 9:54:20
